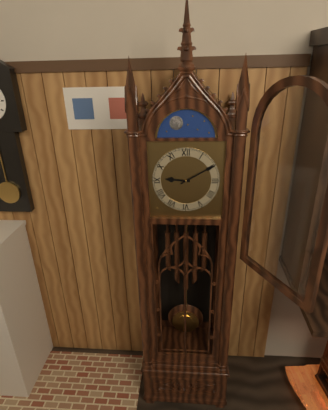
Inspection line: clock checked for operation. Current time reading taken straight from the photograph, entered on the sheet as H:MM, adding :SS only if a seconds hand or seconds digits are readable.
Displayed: 9:10
